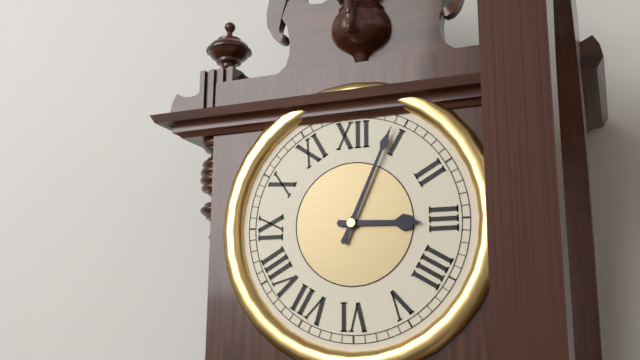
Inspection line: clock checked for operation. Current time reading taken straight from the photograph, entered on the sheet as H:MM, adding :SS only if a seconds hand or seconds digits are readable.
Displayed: 3:04
